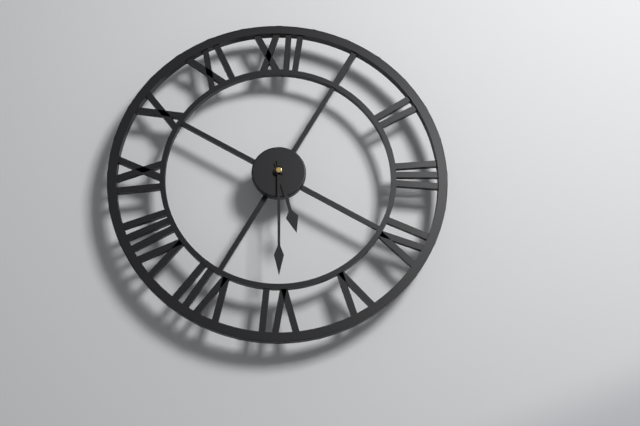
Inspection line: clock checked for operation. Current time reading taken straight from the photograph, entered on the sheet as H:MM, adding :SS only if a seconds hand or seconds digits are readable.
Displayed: 5:30
